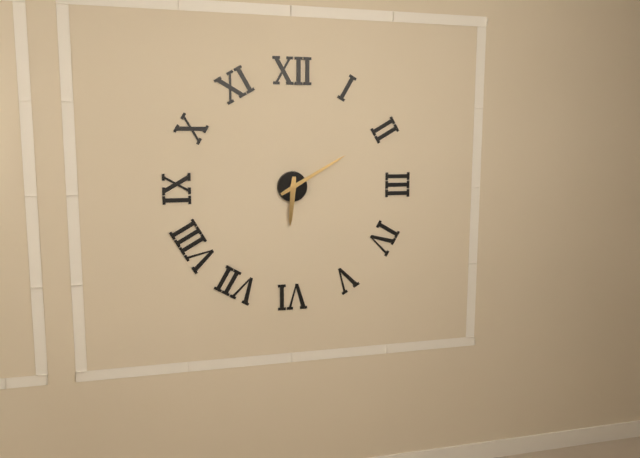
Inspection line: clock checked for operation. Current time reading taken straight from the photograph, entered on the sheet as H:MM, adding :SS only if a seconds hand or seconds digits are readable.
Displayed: 6:10
